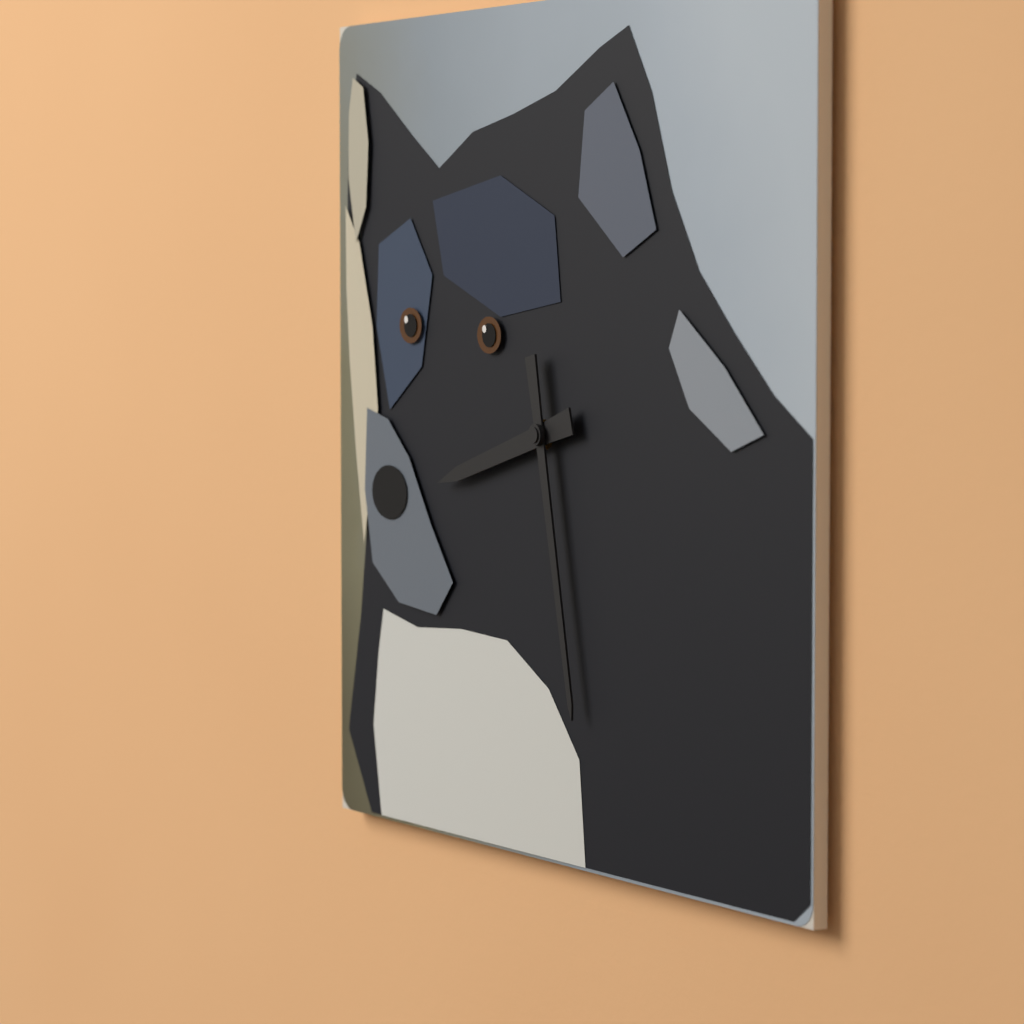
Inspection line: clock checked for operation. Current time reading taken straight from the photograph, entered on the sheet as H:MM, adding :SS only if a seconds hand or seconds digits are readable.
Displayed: 8:28
